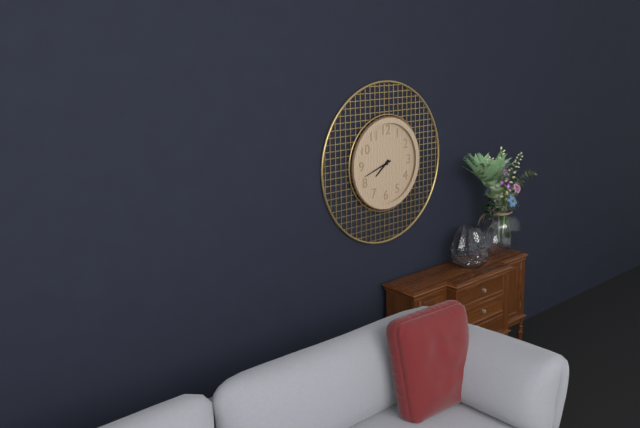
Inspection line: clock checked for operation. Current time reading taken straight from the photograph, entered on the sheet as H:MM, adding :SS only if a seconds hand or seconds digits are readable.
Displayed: 7:42
